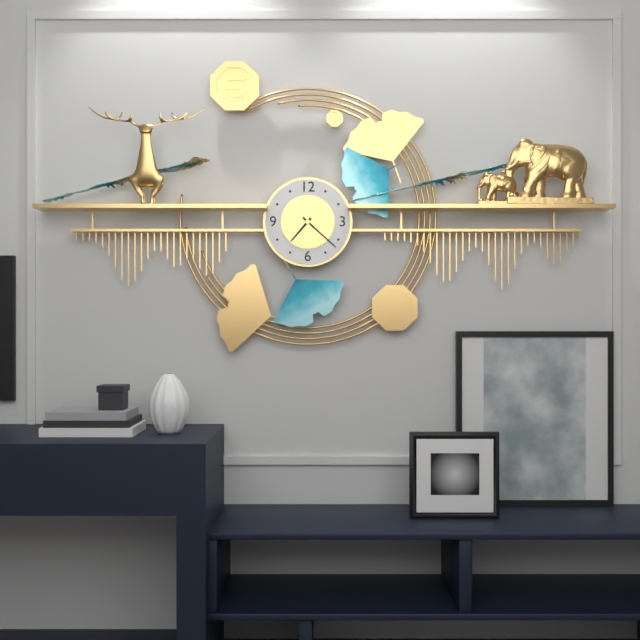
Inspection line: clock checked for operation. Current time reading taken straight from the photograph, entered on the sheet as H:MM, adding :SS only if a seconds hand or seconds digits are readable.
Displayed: 7:22
